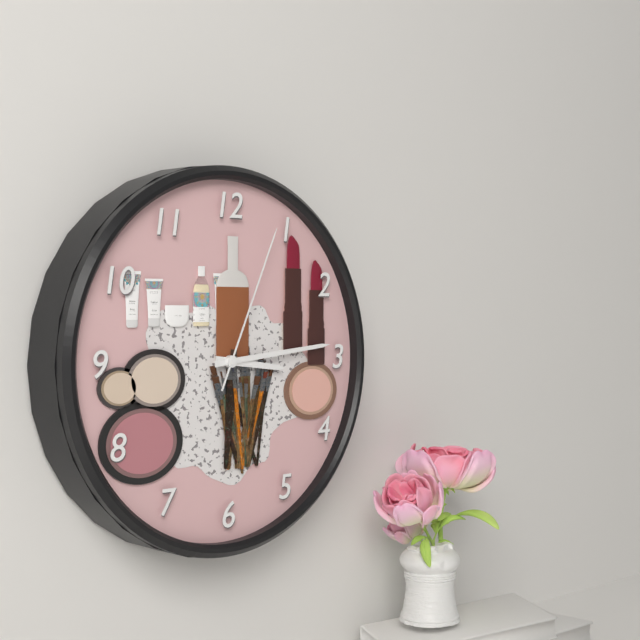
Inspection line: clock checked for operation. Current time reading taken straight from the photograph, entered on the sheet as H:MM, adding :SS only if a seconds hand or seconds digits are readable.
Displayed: 3:14:04
